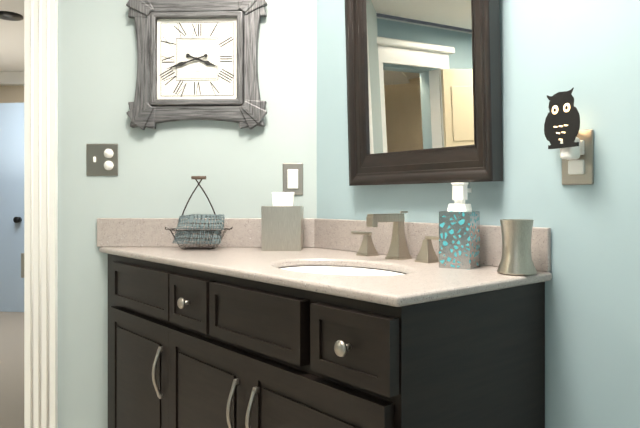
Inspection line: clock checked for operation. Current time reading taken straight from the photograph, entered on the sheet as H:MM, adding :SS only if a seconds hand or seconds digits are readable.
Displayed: 3:42
